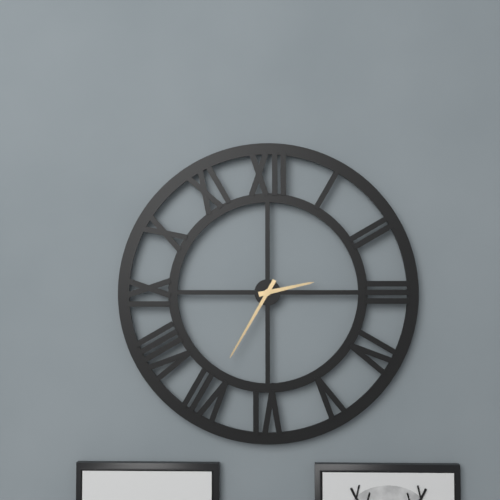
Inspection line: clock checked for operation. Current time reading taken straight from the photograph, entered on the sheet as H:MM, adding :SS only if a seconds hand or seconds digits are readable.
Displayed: 2:35
